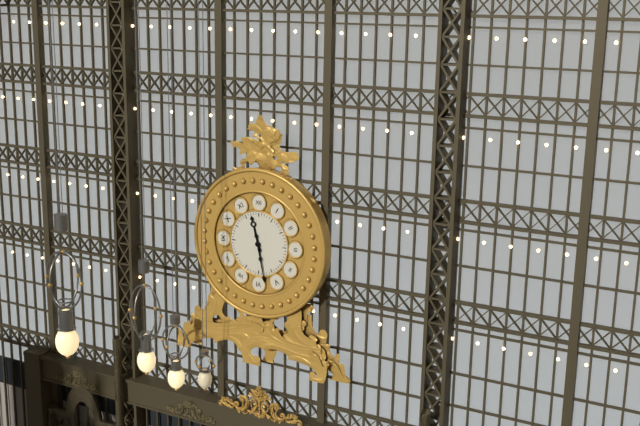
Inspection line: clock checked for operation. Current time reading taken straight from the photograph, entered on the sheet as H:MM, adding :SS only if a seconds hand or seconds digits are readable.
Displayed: 11:28
